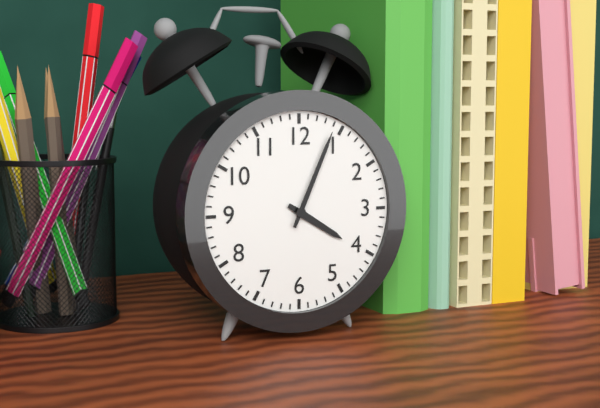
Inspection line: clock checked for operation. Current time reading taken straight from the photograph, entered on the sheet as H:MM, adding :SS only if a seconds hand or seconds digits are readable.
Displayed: 4:04
